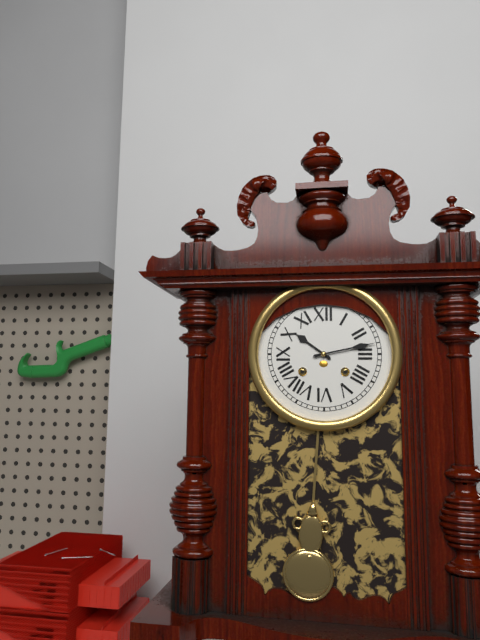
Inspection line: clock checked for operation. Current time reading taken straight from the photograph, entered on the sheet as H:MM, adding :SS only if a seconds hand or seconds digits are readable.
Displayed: 10:13
